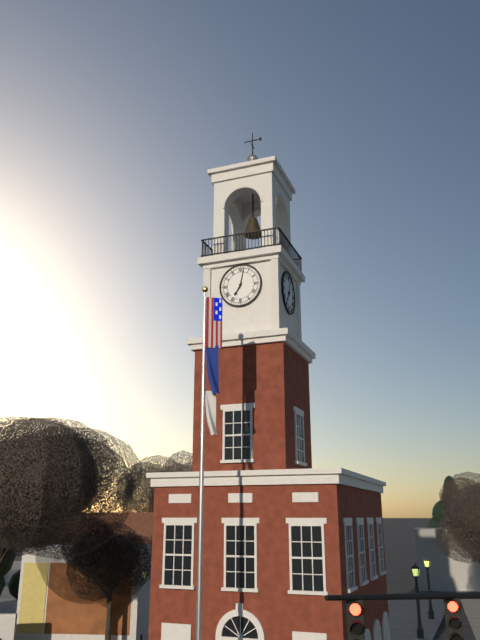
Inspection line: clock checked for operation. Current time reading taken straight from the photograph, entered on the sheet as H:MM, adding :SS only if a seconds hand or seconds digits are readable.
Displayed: 7:02
